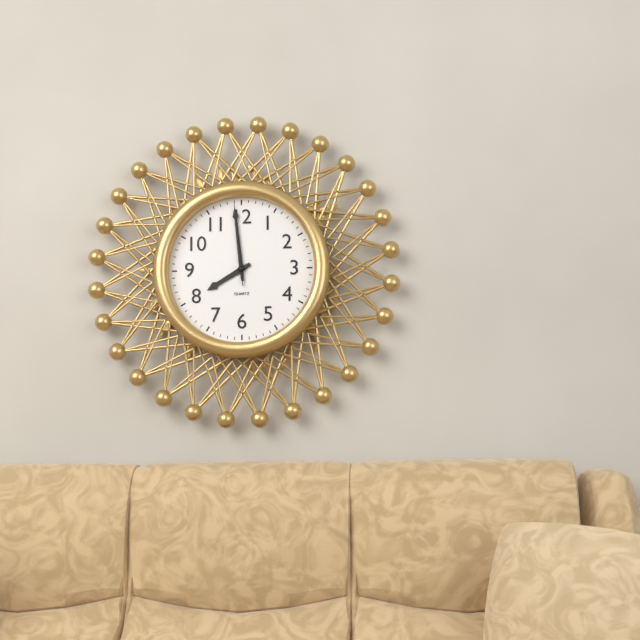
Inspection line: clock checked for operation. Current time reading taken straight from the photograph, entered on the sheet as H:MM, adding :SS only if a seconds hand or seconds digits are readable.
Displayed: 7:59:59
